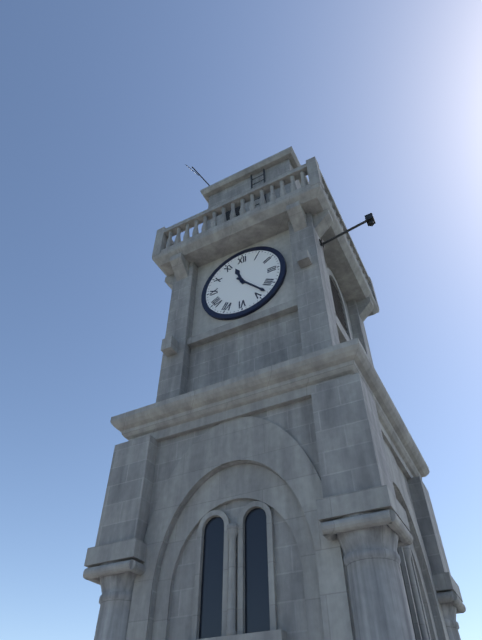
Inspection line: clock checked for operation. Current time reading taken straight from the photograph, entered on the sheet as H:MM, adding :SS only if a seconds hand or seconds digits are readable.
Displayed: 11:23
